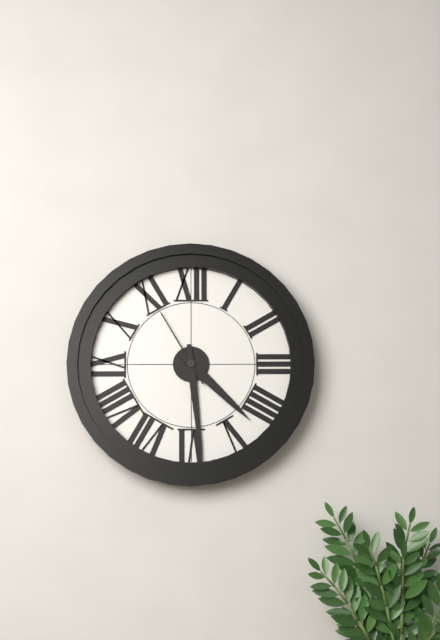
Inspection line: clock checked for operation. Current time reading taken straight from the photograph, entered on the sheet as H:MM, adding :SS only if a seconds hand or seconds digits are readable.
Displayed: 4:29:55
